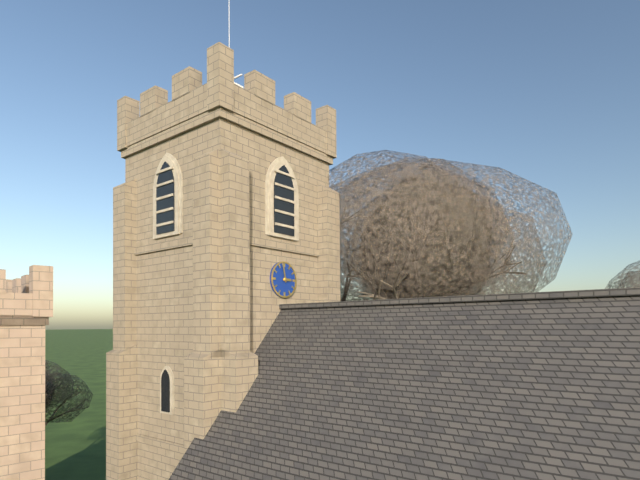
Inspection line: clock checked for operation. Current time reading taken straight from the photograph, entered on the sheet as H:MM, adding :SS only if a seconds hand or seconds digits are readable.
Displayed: 2:58
